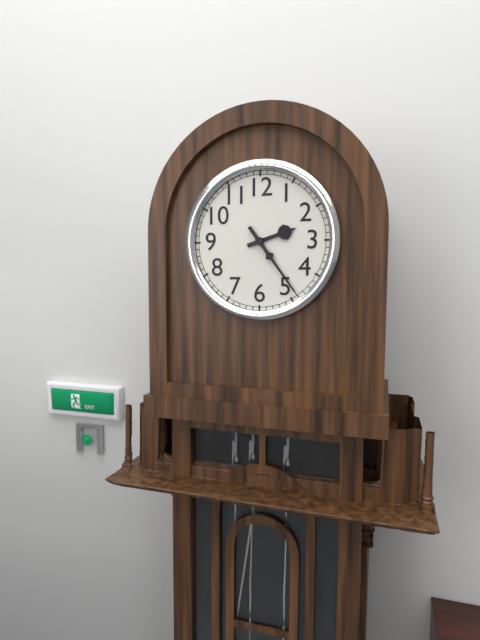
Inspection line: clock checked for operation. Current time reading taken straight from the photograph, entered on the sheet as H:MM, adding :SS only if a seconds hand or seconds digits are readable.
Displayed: 2:24
